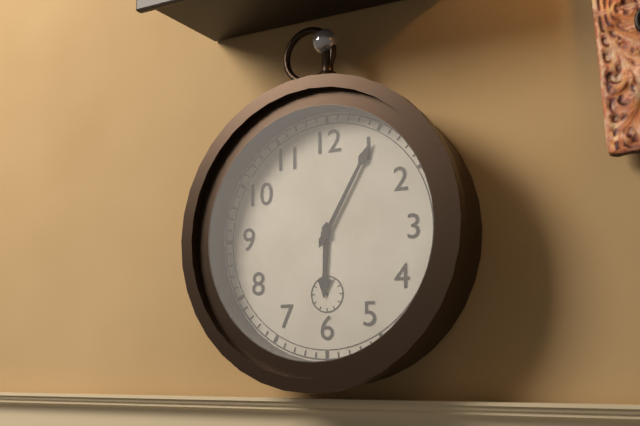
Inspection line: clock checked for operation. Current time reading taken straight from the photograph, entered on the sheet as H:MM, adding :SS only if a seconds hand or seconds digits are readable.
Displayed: 6:05
